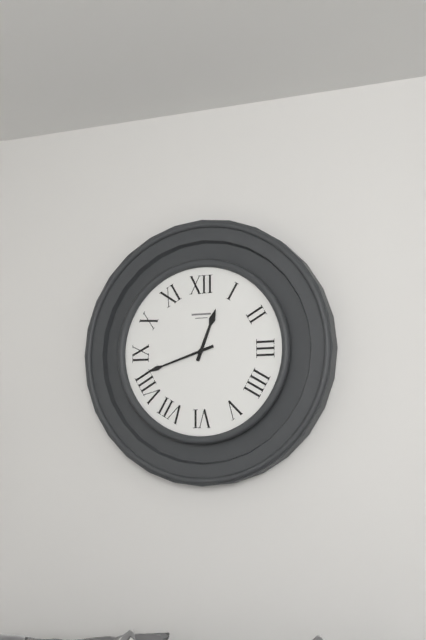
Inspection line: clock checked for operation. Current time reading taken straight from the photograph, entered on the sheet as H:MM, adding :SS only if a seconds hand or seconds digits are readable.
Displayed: 12:42
